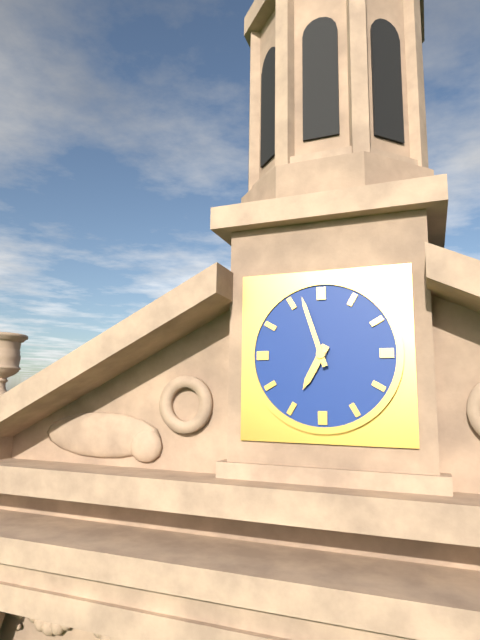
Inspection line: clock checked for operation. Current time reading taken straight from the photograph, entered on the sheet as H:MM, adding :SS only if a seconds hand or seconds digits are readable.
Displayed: 6:57
